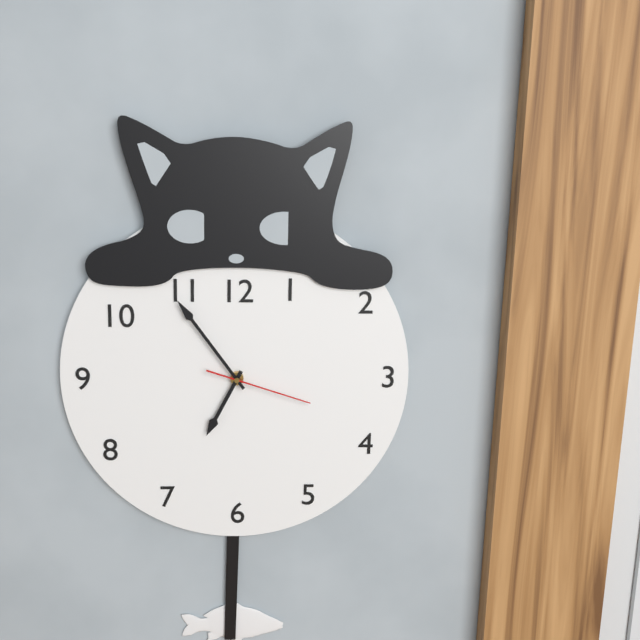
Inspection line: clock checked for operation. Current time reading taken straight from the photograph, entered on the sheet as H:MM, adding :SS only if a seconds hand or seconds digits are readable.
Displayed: 6:54:18
